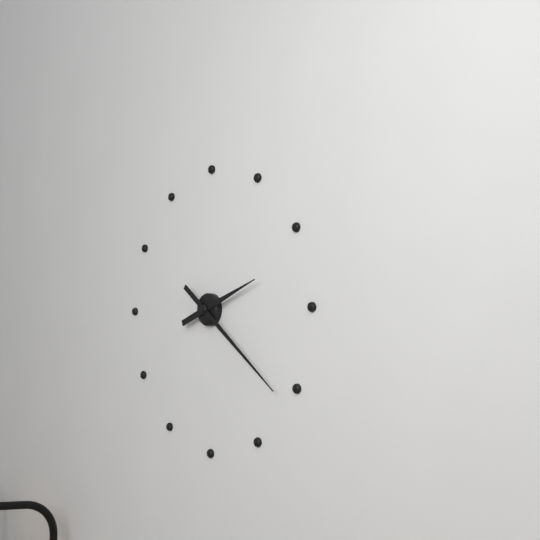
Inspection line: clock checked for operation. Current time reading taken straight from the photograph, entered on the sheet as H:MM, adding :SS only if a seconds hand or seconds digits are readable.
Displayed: 2:21
